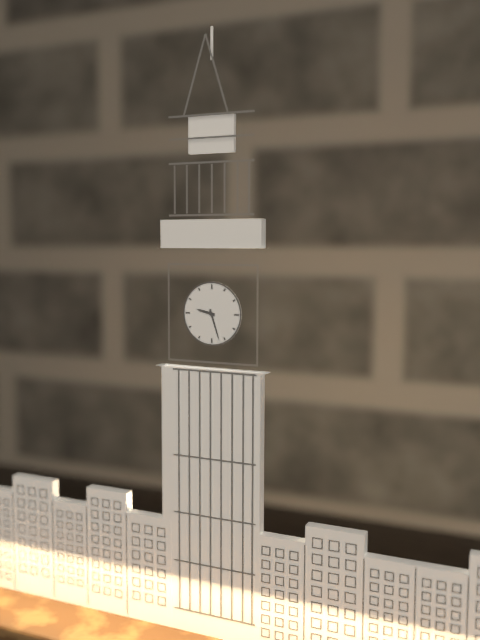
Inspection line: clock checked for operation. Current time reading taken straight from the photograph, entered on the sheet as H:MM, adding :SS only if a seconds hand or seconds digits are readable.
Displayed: 9:27
